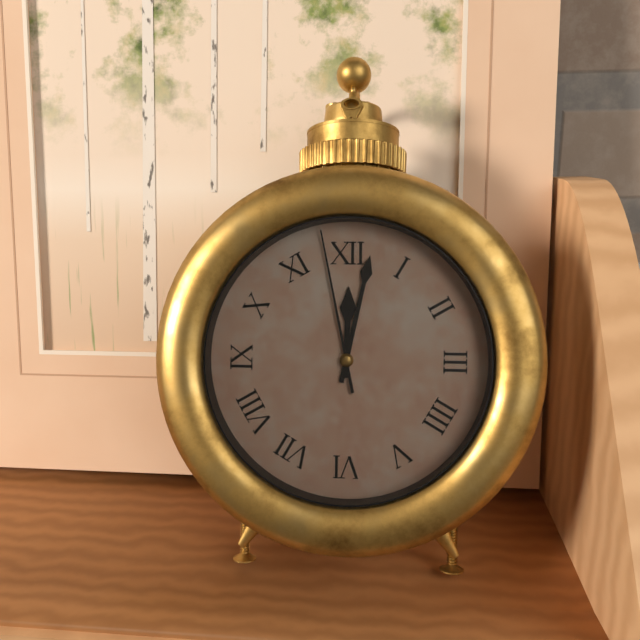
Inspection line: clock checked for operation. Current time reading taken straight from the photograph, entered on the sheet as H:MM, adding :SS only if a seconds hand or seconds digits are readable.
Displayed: 12:02:58
